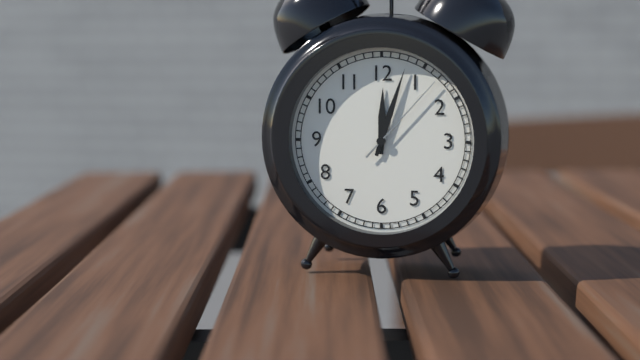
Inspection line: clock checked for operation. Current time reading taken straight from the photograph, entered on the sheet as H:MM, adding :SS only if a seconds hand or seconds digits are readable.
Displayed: 12:03:07
